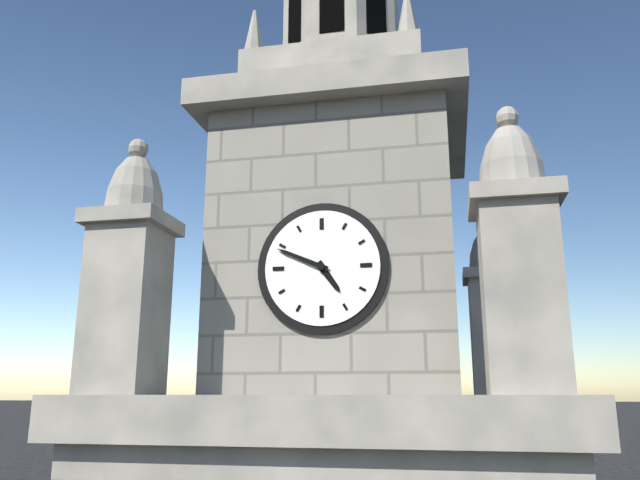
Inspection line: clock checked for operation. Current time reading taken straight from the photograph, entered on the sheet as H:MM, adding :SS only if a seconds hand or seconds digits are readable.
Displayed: 4:49
